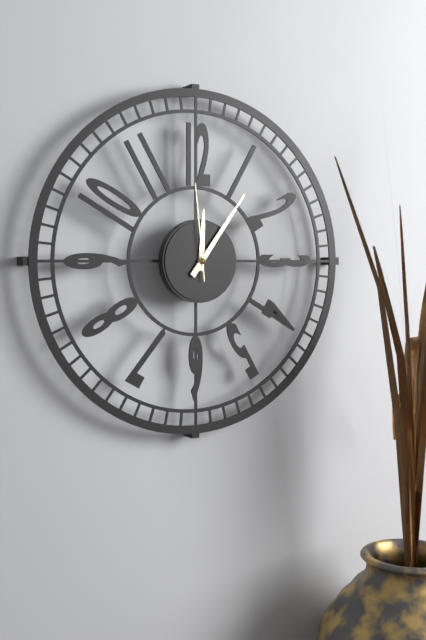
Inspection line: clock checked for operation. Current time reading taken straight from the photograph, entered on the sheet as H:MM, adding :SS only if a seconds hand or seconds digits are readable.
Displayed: 12:06:59
